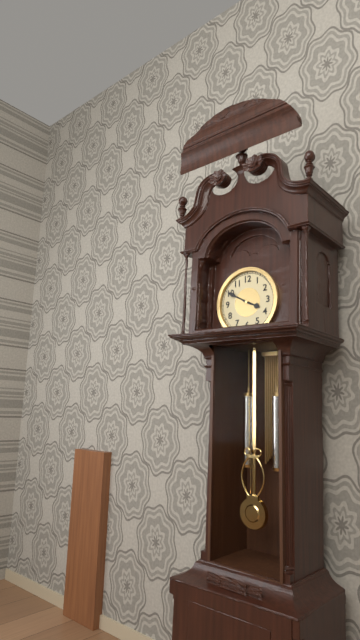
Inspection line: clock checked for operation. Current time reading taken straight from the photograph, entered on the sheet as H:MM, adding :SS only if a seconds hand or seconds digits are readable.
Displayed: 3:50
